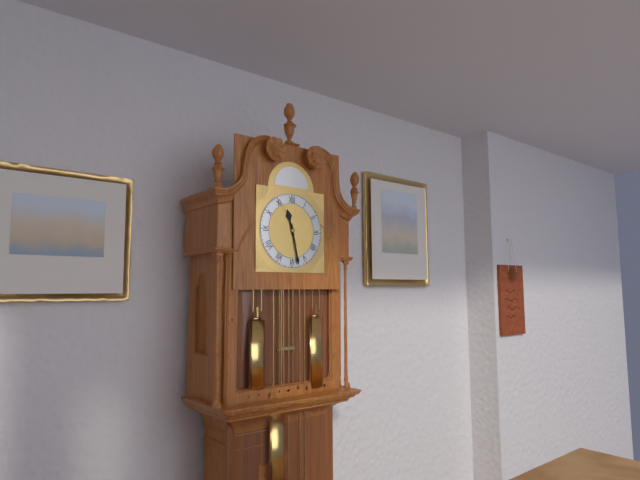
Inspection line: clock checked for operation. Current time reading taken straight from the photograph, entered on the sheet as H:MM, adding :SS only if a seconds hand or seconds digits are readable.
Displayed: 11:28
